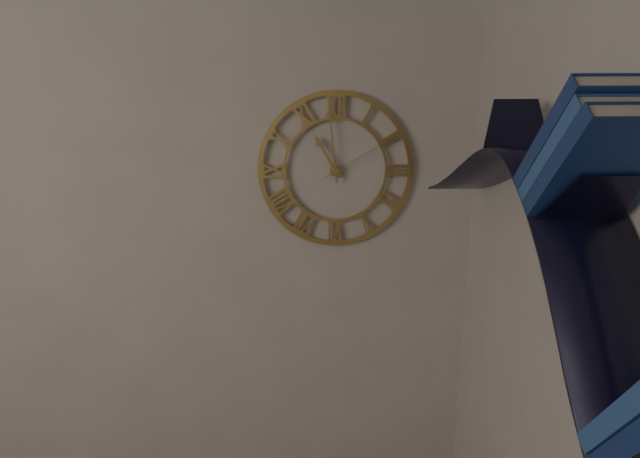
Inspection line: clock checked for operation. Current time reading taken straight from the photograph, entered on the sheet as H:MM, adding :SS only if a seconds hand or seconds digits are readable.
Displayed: 10:59:10
